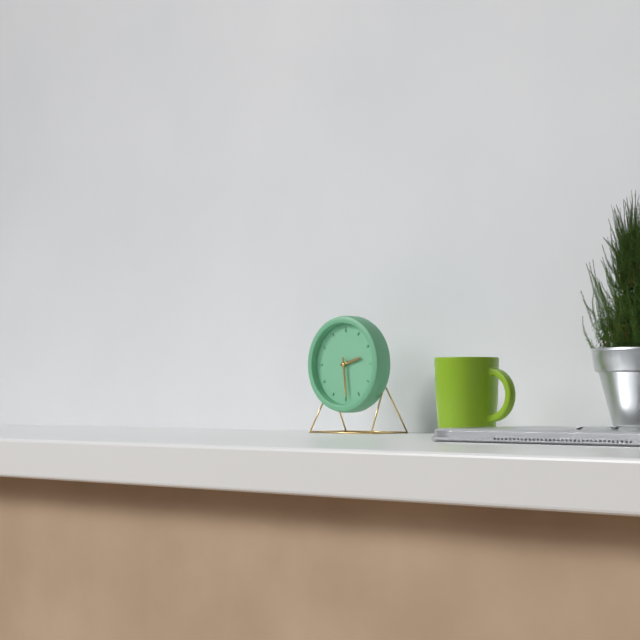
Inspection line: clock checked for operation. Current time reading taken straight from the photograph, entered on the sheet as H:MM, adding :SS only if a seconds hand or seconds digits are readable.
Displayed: 2:29
